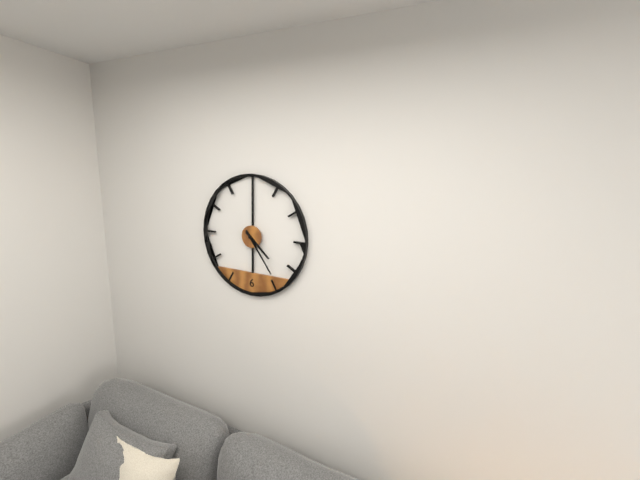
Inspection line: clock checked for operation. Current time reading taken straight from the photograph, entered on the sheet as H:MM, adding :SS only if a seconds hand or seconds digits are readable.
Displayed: 4:24
